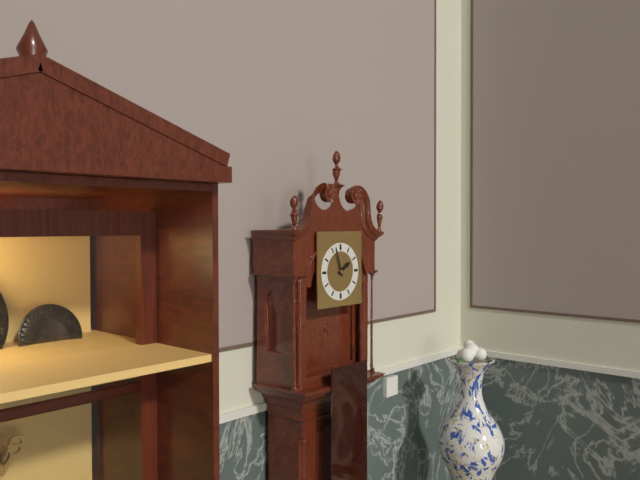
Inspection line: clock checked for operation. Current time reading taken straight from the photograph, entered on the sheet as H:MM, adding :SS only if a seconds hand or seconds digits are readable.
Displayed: 1:57
